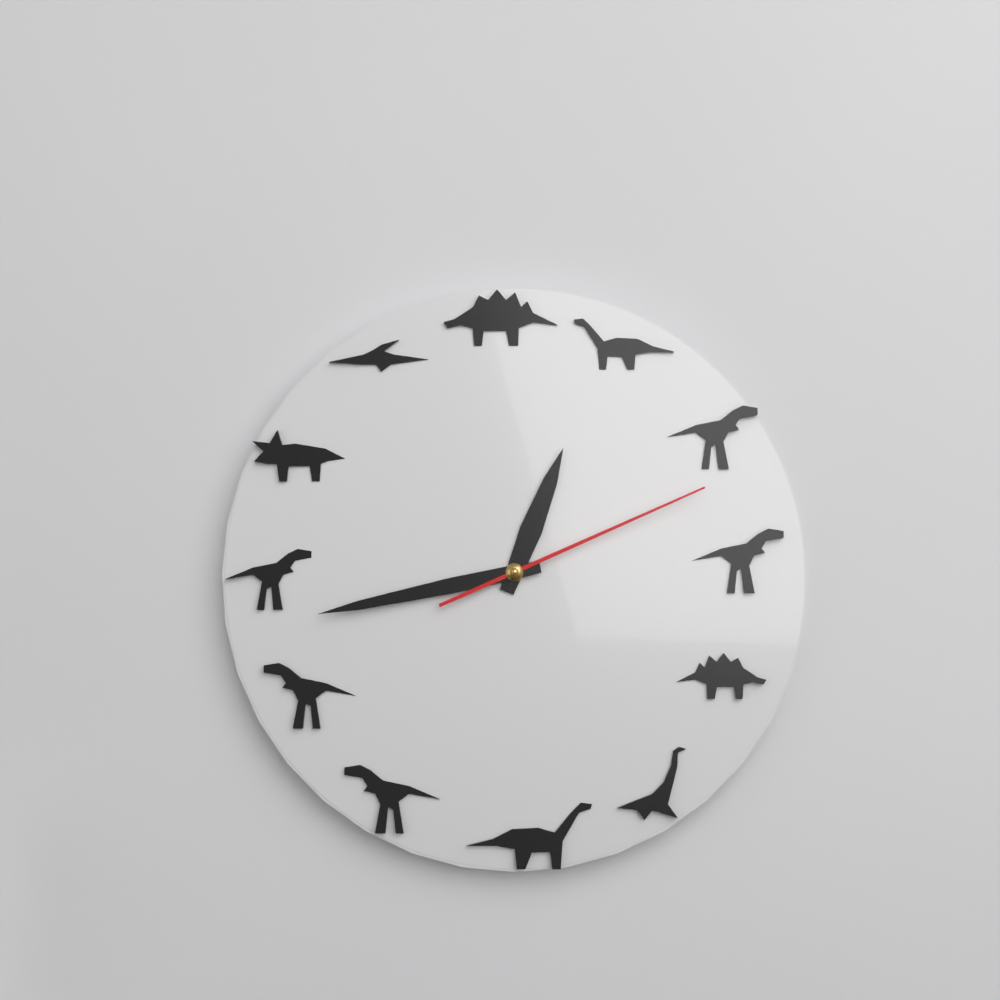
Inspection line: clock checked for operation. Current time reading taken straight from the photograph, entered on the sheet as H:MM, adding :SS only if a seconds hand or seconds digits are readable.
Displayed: 12:43:11
